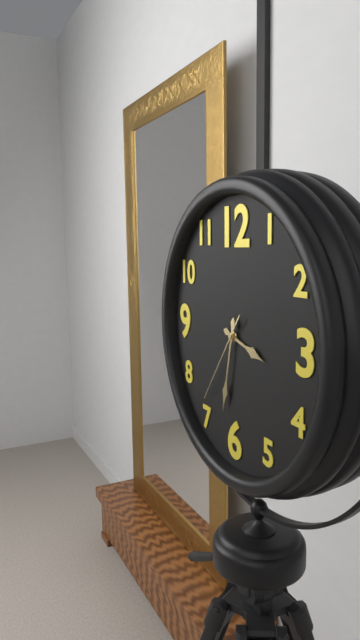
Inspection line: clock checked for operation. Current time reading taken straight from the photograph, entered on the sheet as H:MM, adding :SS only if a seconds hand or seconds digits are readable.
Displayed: 3:32:36
